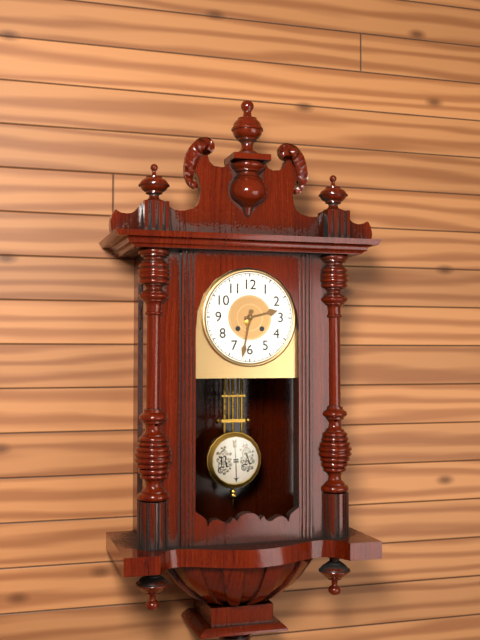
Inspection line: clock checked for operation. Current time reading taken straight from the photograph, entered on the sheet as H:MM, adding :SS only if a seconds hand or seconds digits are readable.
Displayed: 2:32
